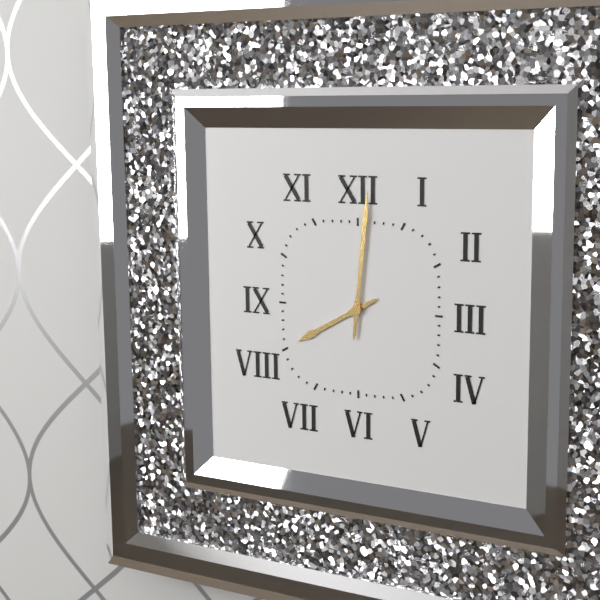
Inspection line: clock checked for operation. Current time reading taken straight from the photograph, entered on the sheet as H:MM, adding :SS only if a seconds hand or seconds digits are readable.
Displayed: 8:01
